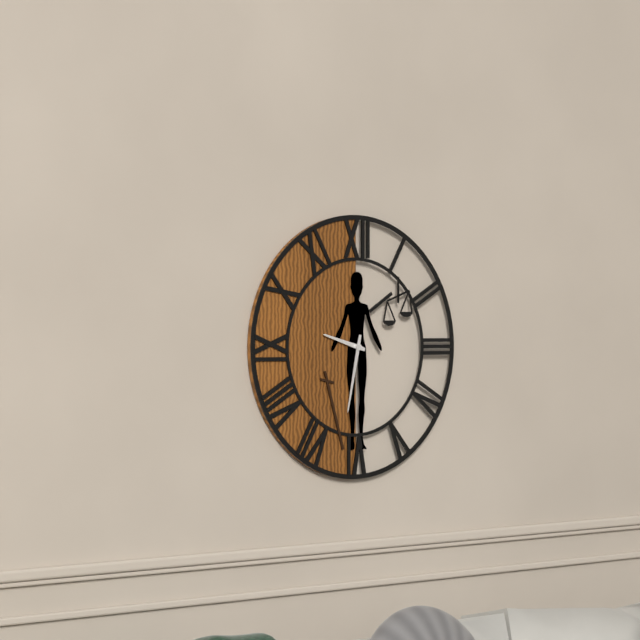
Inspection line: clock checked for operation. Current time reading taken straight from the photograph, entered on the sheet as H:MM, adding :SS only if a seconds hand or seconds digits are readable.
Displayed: 9:32
